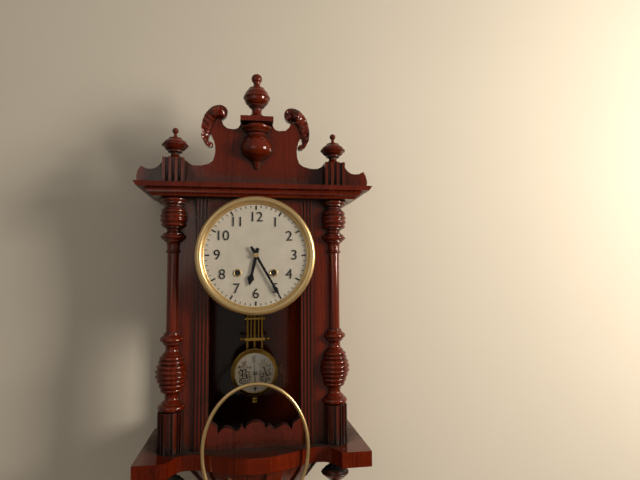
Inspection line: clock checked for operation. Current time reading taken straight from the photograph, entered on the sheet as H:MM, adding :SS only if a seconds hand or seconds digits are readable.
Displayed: 6:25
